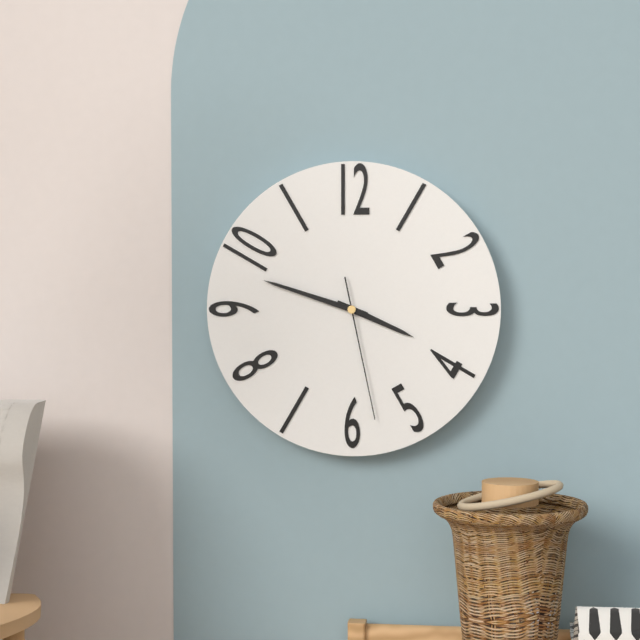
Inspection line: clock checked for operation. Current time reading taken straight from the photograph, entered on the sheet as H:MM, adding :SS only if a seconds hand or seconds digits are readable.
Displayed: 3:48:28
